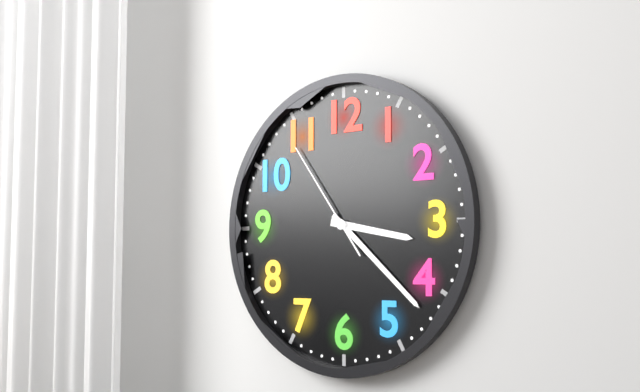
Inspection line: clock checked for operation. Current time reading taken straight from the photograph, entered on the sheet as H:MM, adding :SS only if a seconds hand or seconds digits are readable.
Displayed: 3:22:54
